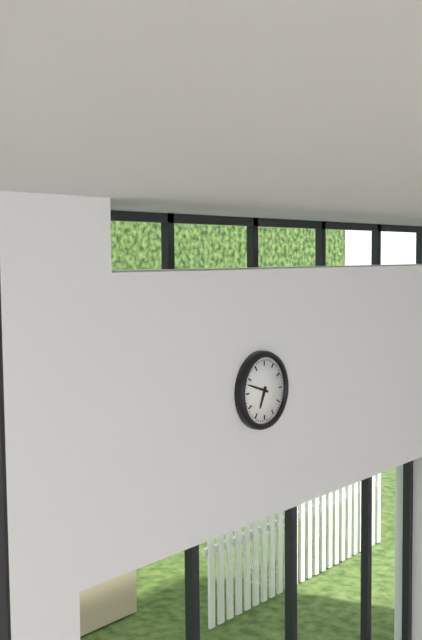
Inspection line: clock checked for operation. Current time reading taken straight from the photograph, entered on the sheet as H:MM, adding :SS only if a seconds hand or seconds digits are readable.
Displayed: 6:48
